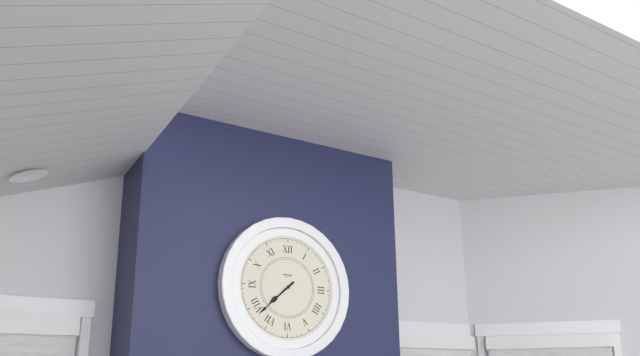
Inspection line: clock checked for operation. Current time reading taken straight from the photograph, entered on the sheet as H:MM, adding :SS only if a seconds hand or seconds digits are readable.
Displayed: 7:38
